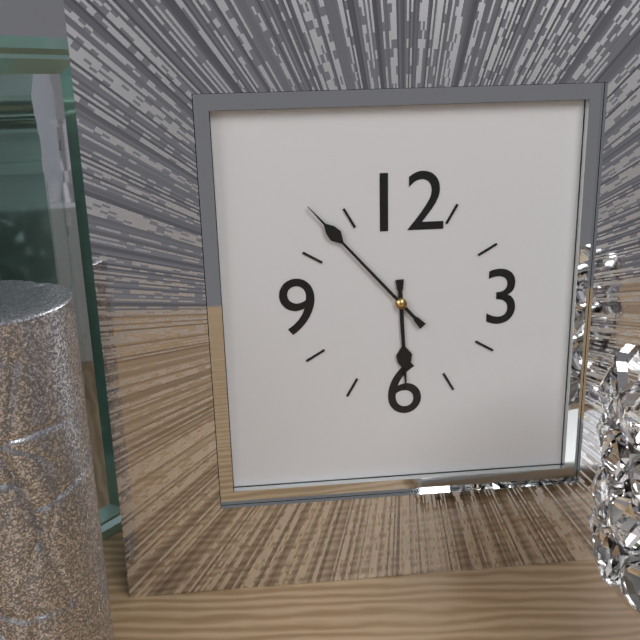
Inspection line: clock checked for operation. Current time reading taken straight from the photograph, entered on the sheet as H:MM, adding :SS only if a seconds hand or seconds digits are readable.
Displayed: 5:53
